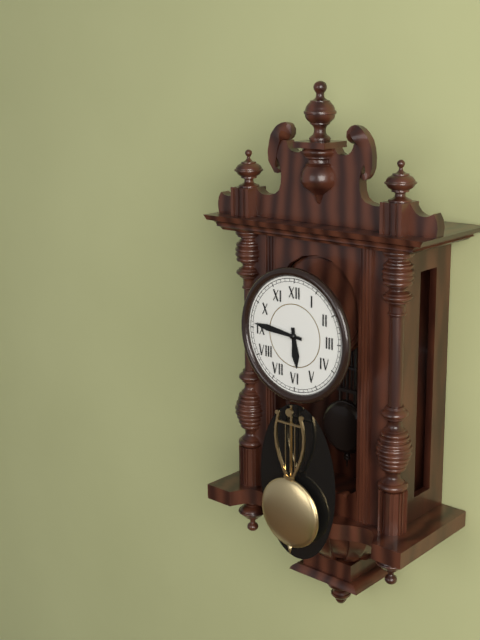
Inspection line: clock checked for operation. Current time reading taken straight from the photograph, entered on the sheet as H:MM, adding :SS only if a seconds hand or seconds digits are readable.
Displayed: 5:46
